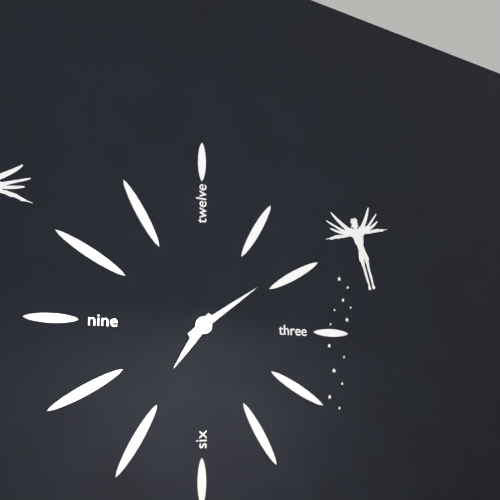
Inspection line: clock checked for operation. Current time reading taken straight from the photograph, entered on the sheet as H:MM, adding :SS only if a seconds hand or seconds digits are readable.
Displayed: 7:09
